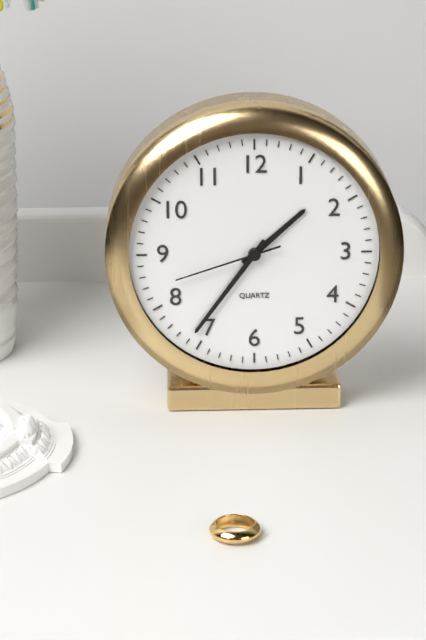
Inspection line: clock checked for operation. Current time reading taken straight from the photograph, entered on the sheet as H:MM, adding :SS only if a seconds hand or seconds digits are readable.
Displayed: 1:36:42
